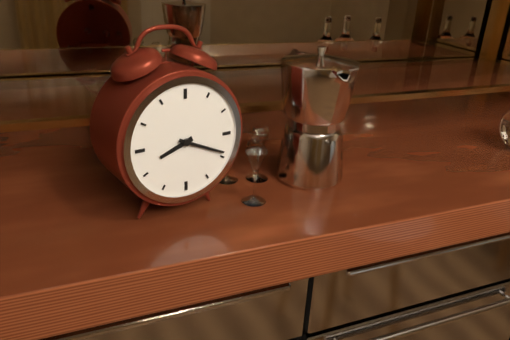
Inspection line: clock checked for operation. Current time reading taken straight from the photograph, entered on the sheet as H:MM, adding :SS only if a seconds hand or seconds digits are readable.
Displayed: 8:19
